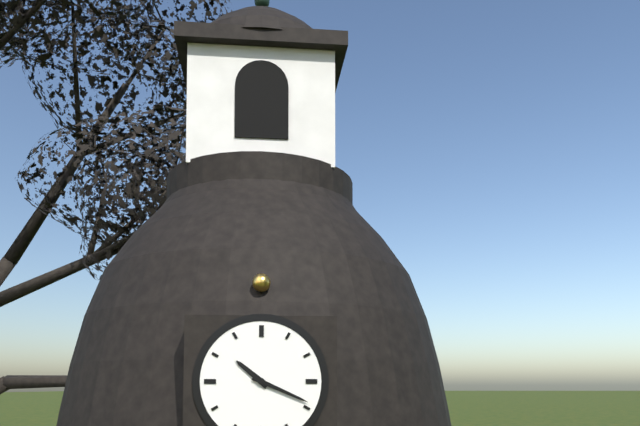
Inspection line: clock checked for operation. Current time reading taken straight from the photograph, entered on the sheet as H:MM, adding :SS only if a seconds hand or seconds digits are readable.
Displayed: 10:19
